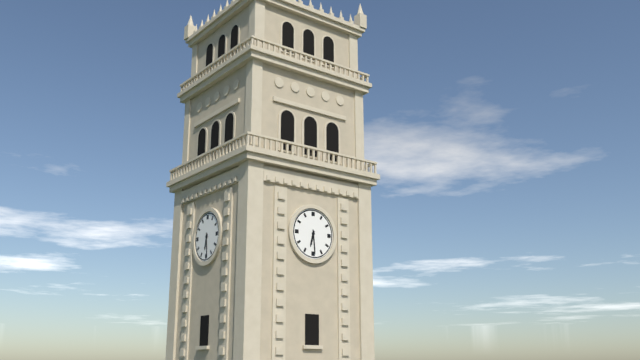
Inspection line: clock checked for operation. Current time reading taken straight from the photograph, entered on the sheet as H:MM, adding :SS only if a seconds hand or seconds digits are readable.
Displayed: 6:29
